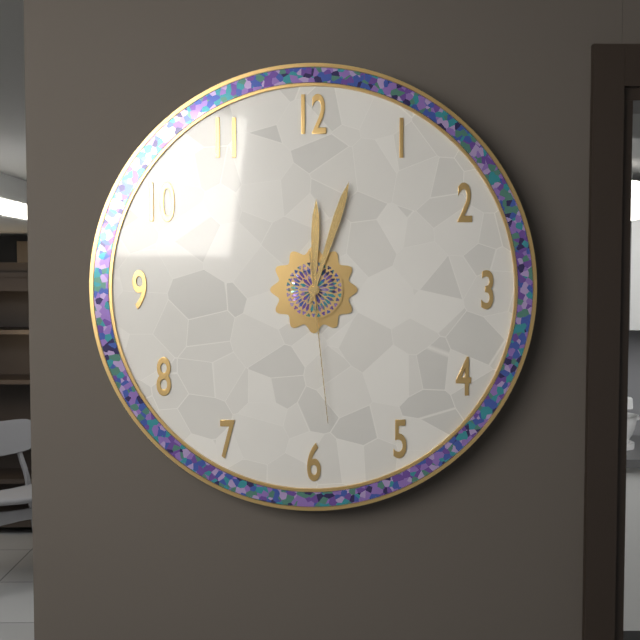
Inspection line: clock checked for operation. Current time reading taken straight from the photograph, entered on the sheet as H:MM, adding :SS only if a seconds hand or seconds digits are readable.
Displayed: 12:03:29
